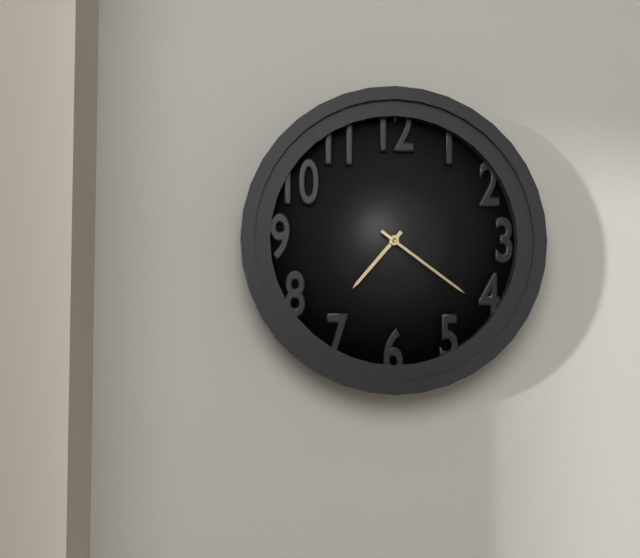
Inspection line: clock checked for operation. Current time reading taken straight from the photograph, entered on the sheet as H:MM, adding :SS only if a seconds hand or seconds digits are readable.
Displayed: 7:21
